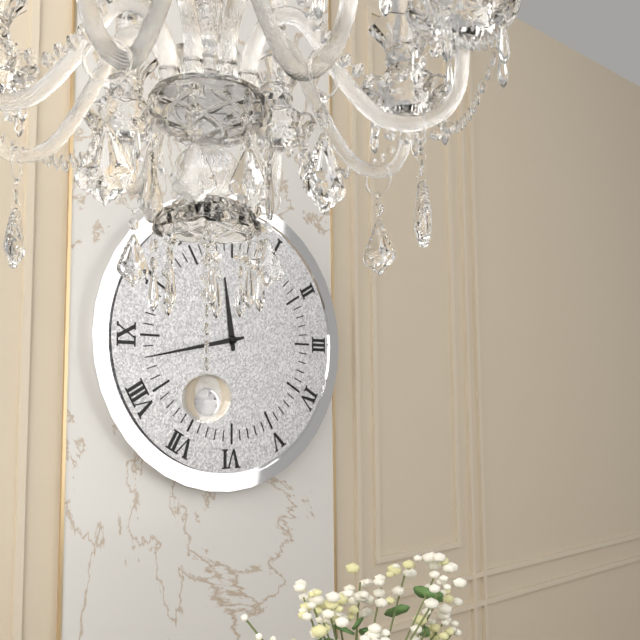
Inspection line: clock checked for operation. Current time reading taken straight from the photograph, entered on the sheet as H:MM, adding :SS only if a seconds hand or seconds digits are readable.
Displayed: 11:43
